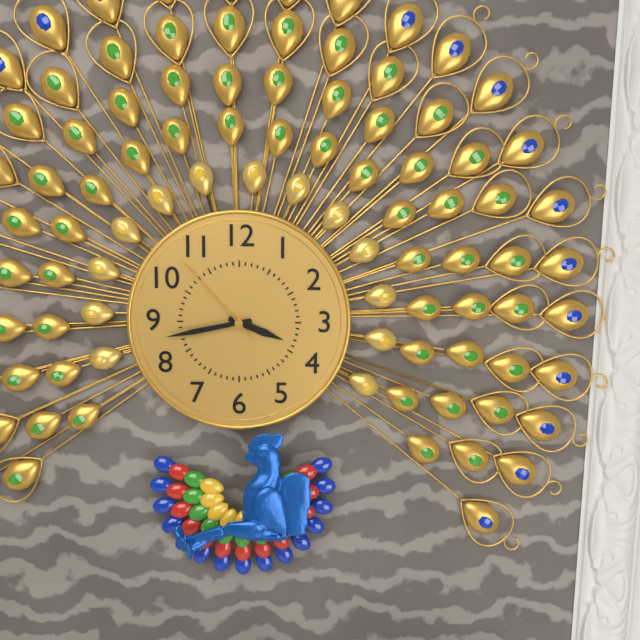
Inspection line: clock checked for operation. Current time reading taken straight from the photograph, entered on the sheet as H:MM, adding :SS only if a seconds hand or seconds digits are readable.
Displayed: 3:43:53
